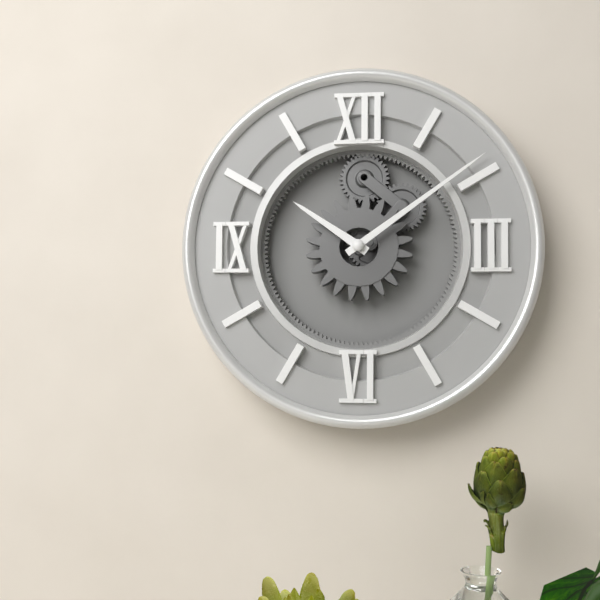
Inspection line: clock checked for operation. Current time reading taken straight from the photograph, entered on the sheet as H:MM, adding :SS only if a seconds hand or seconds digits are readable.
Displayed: 10:09
